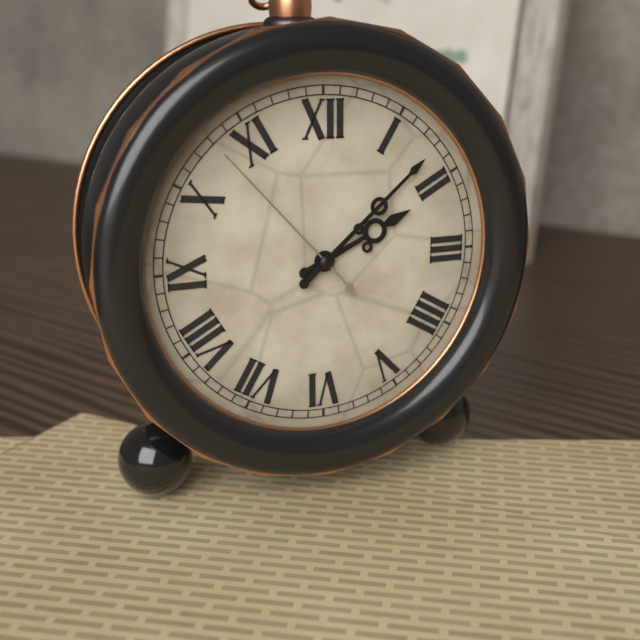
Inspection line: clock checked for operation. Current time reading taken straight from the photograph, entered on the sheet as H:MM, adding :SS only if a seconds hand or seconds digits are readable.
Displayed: 2:08:53
